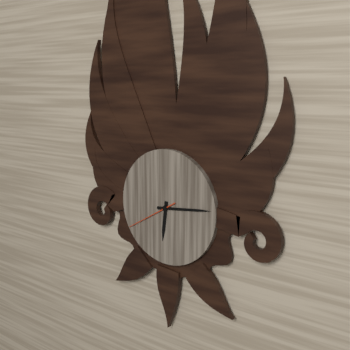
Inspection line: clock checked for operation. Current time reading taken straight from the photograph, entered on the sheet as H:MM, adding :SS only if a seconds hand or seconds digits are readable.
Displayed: 6:14:40
